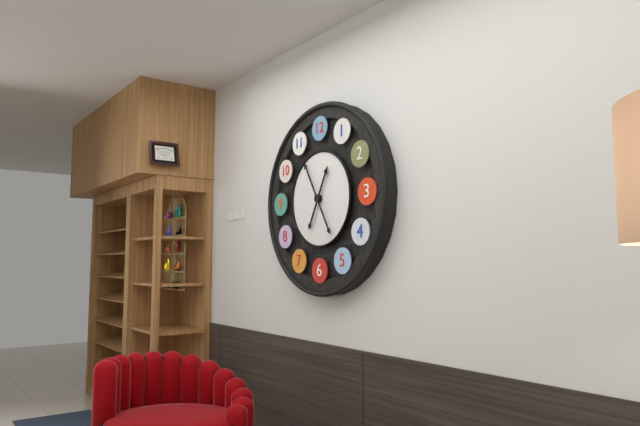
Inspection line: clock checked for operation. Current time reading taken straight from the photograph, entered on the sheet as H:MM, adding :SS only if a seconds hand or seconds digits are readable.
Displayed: 12:55
